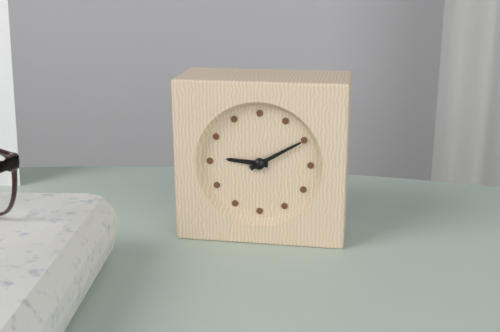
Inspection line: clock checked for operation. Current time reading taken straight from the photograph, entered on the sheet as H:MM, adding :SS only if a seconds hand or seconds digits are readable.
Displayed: 9:10
